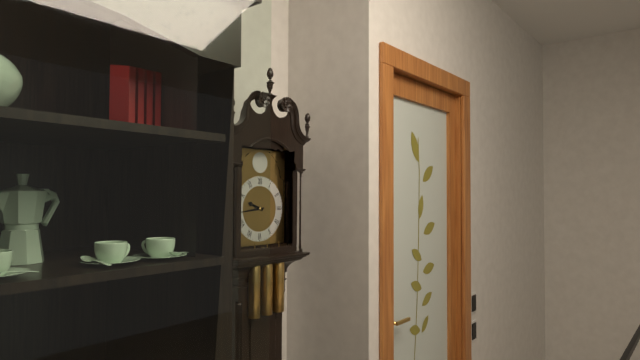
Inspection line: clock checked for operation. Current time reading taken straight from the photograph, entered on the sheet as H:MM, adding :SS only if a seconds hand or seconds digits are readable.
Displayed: 9:44
